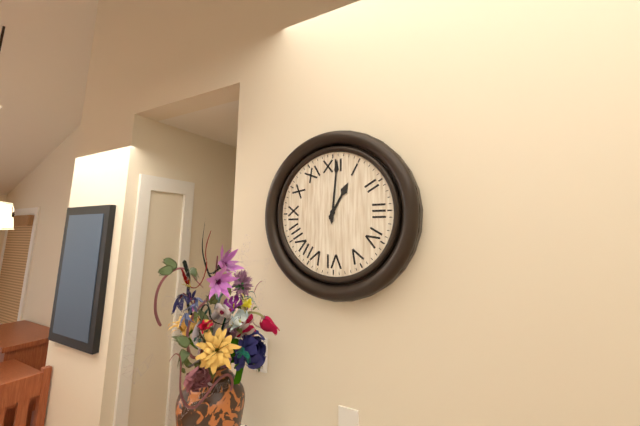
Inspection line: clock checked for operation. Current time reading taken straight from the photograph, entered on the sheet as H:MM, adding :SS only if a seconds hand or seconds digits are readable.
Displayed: 1:01
